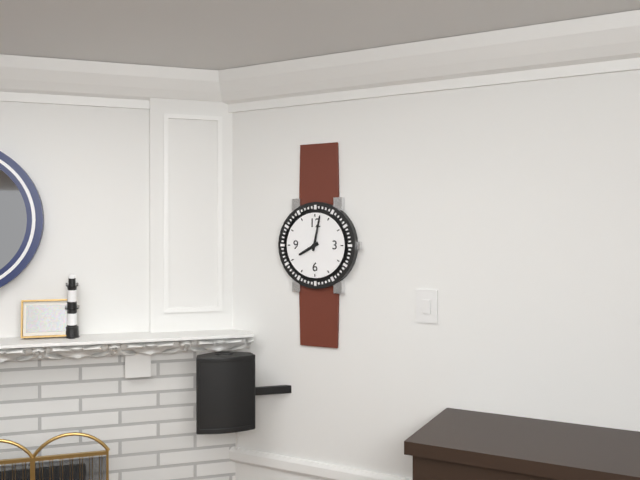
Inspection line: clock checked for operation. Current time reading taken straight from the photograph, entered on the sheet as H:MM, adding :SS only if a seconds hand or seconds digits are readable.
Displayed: 8:02
